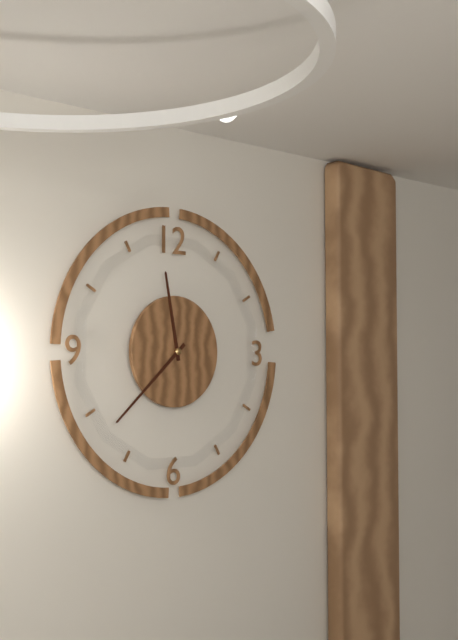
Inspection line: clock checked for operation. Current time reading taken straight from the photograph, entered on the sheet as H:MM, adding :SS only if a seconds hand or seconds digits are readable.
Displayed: 11:38
